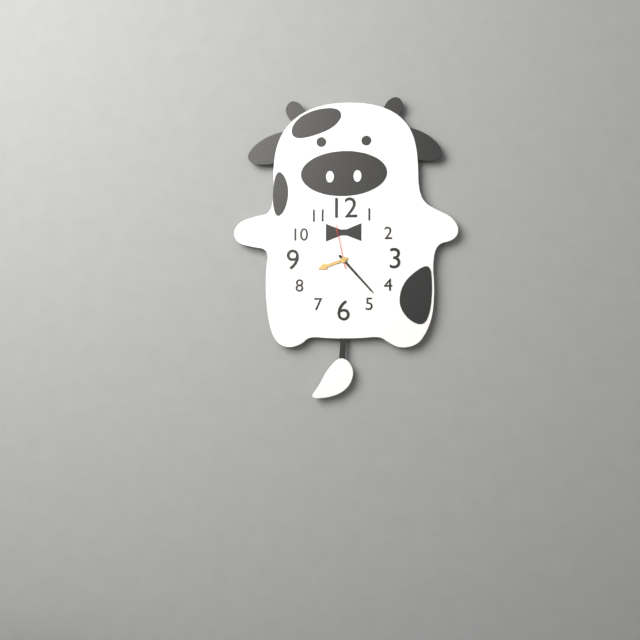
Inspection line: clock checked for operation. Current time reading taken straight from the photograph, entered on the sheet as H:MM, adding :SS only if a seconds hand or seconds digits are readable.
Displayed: 8:23
